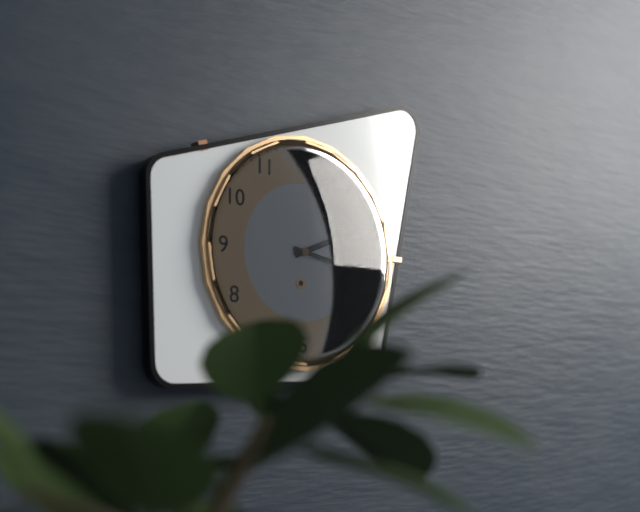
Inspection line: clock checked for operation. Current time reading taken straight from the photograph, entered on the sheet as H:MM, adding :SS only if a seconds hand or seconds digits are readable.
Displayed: 2:17
